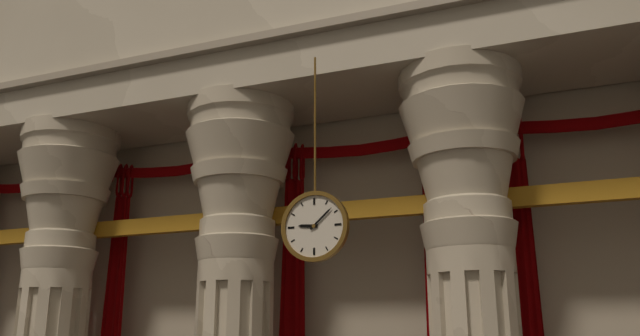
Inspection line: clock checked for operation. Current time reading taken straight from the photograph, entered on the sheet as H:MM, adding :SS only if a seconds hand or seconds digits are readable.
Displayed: 9:08
